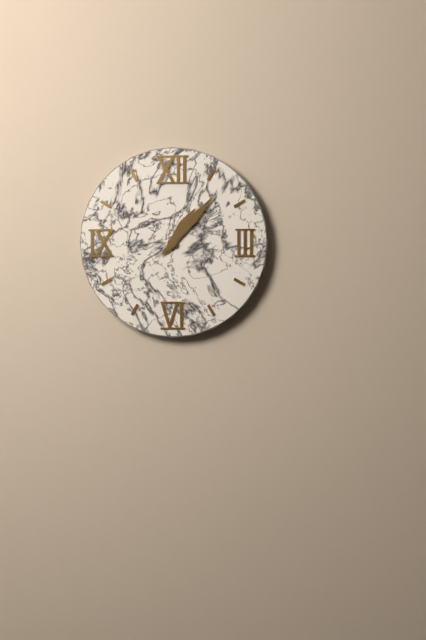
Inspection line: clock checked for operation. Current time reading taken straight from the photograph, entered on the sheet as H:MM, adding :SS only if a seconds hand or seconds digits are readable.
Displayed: 1:07
